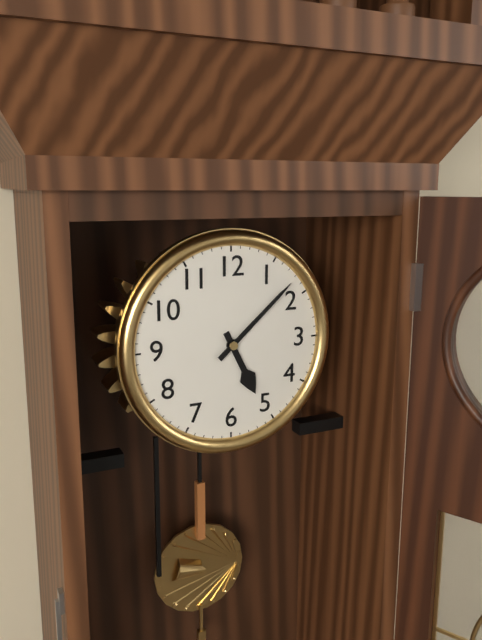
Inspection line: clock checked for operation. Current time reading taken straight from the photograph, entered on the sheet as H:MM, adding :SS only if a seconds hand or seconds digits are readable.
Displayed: 5:08
